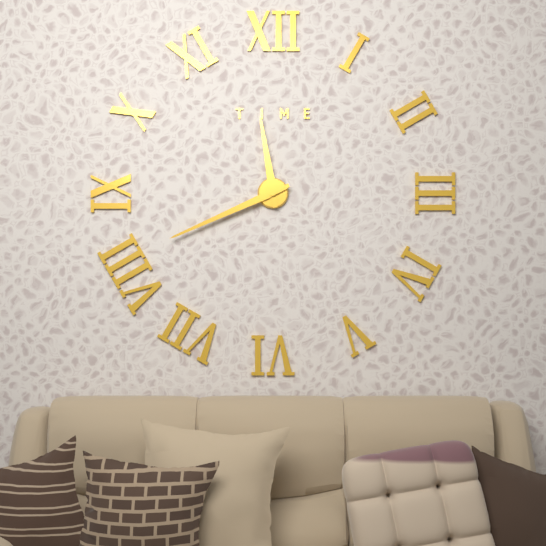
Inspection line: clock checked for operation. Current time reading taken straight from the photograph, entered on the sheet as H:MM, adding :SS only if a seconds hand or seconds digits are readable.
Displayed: 11:41
